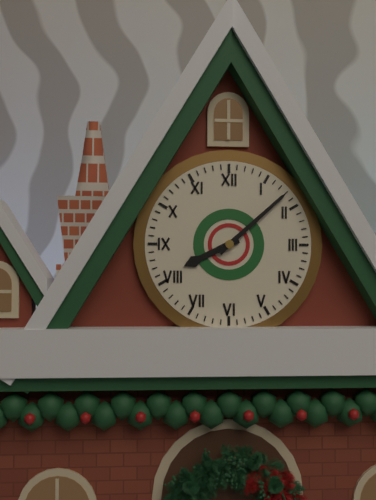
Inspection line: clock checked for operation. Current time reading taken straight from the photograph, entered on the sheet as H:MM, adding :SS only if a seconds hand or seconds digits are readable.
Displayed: 8:08
